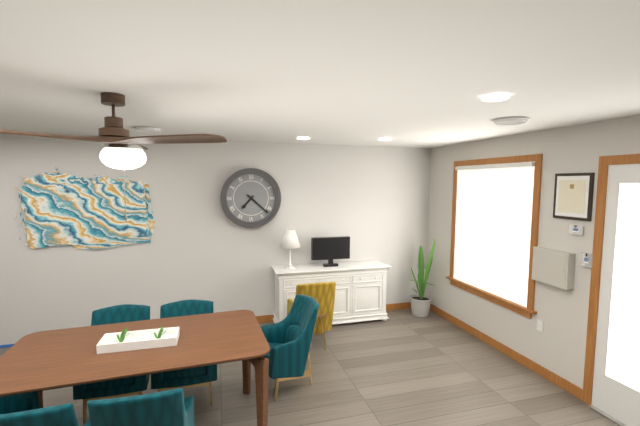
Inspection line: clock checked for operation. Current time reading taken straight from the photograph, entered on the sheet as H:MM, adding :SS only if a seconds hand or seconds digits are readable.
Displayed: 7:22
